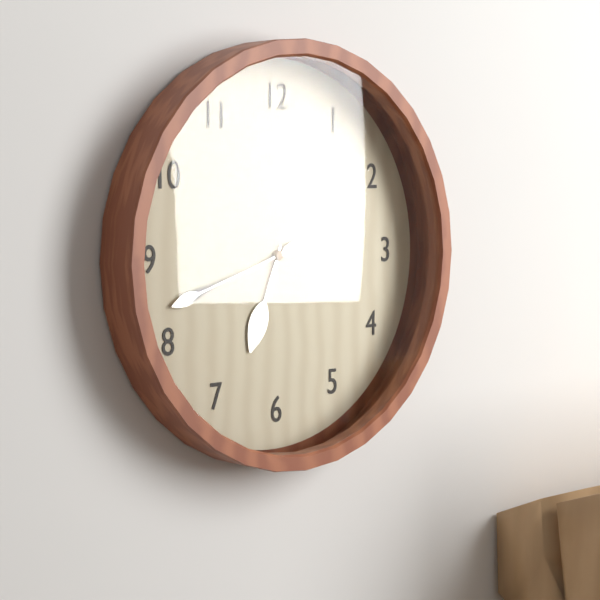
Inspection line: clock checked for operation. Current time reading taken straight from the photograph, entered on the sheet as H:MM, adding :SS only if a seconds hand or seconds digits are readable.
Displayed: 6:42
